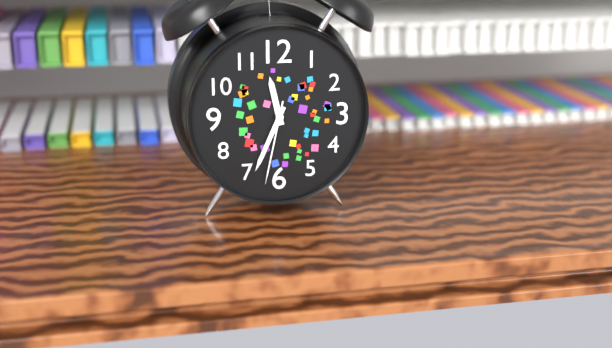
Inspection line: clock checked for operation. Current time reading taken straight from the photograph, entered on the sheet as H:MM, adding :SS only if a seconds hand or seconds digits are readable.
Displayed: 11:34:32
